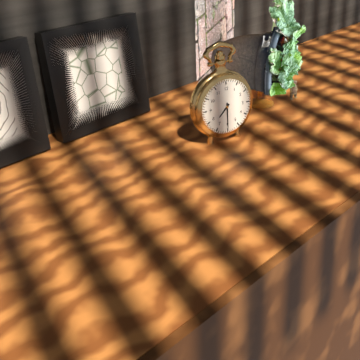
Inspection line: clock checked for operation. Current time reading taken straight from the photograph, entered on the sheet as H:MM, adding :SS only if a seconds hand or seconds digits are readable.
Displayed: 7:30
